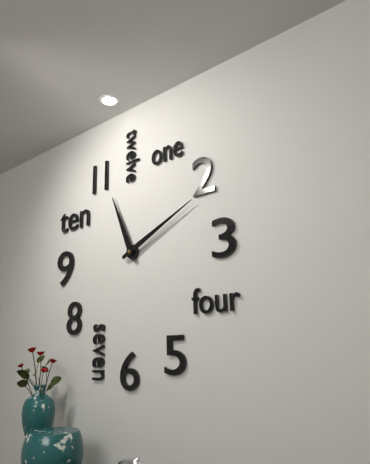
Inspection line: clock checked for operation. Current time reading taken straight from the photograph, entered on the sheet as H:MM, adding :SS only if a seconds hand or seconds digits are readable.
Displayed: 11:11
